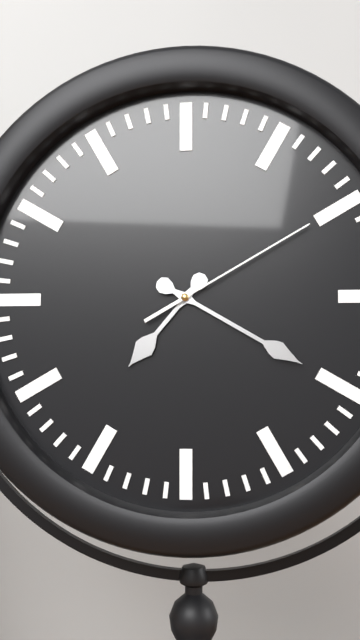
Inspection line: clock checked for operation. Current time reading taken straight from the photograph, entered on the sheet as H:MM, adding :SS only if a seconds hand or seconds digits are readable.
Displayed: 7:20:10
